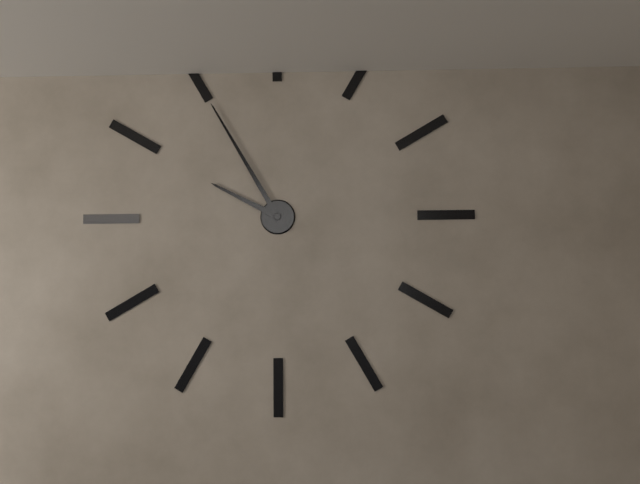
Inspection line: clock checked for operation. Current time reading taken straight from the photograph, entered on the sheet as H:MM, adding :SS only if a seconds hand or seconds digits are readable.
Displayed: 9:55
